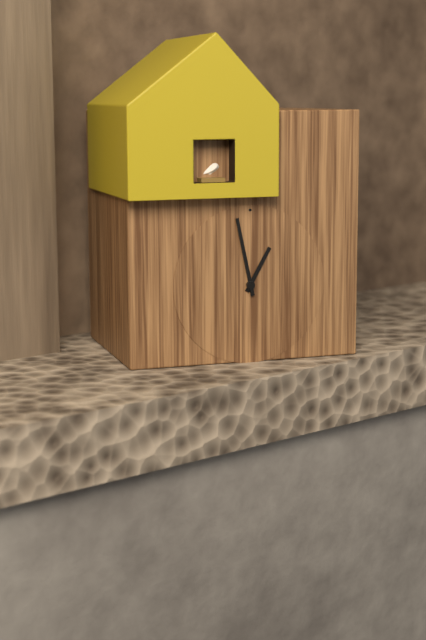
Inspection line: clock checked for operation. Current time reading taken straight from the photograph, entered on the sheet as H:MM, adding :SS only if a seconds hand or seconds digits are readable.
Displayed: 12:58
